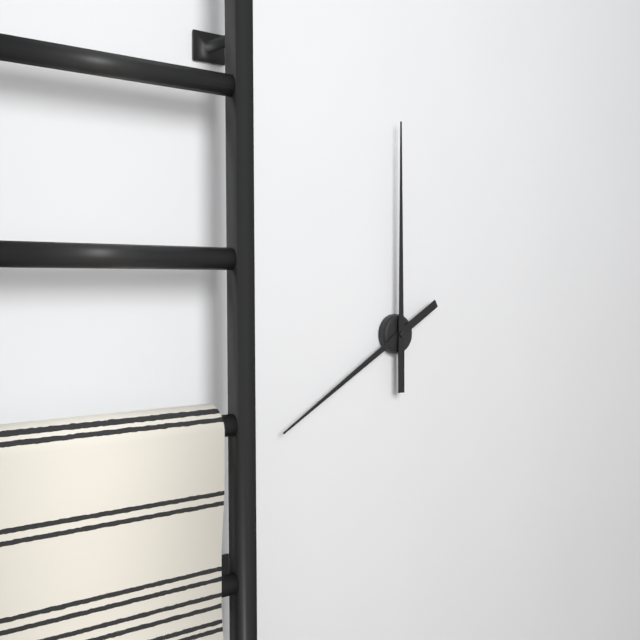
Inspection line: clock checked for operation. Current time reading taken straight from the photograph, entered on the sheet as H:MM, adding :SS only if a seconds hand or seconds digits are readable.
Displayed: 8:00
